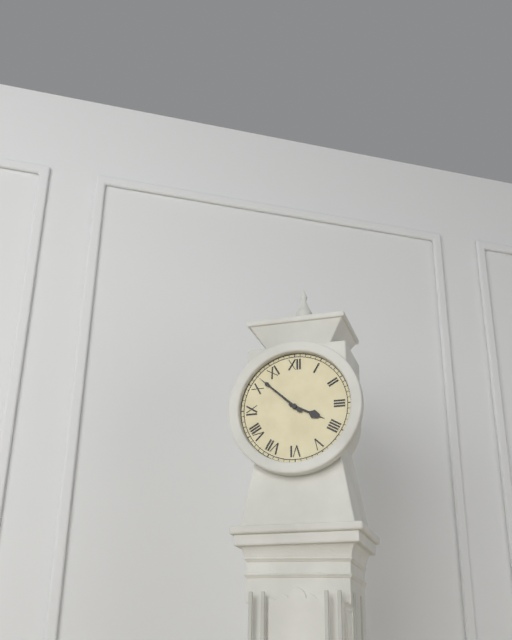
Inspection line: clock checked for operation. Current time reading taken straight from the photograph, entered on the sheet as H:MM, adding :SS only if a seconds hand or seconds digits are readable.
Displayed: 3:52
